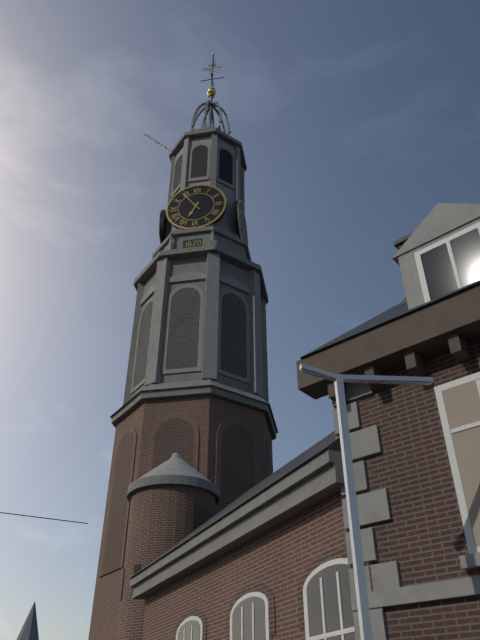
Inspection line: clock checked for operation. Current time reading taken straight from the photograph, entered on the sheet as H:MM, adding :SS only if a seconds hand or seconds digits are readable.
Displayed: 6:54
